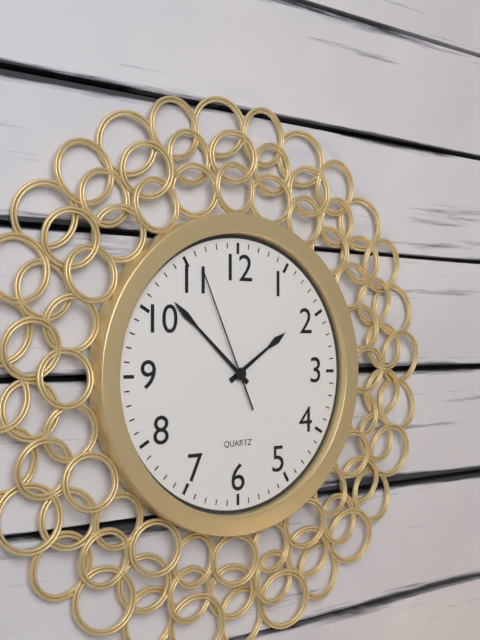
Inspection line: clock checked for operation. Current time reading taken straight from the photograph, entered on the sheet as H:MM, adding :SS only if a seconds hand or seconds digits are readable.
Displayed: 1:52:56
